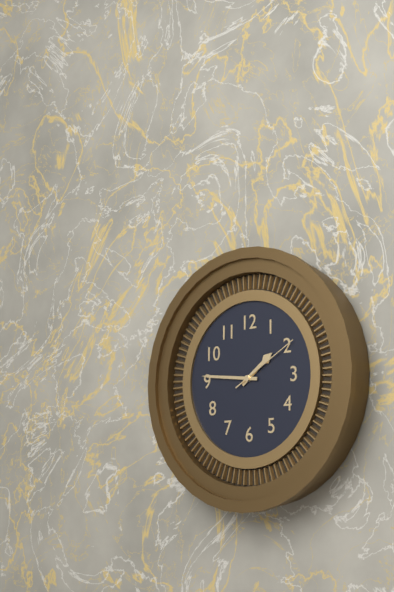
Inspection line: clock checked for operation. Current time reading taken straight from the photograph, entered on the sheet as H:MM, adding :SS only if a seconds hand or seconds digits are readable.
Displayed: 1:46:10
